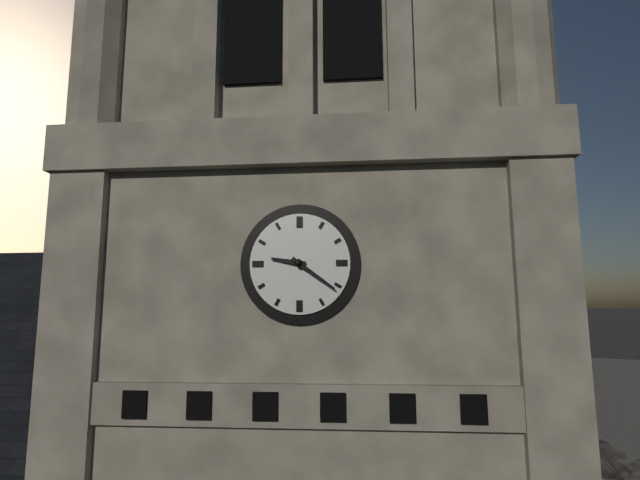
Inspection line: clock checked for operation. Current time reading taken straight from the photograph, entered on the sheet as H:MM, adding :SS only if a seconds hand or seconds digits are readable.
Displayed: 9:21
